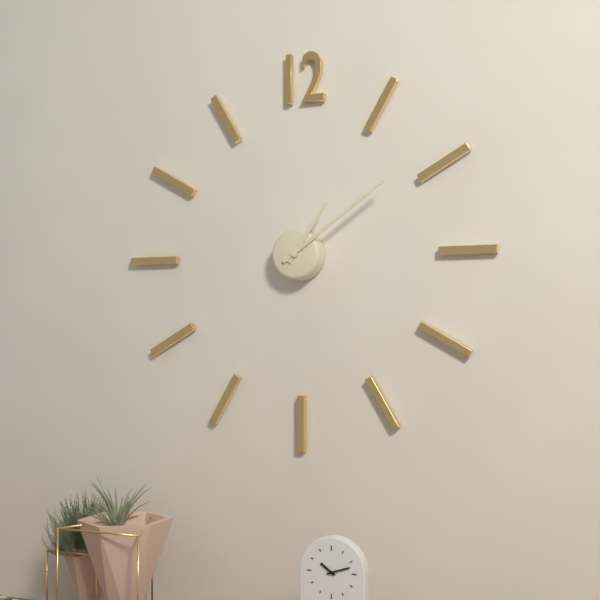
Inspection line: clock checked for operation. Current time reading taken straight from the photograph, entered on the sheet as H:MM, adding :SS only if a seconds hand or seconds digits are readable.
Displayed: 1:09
